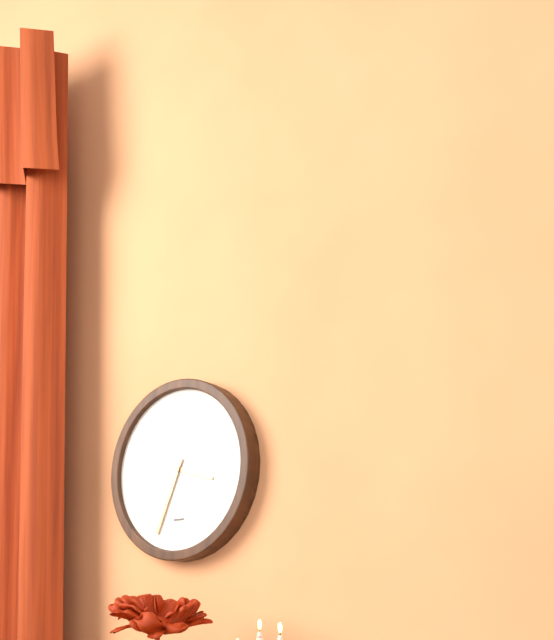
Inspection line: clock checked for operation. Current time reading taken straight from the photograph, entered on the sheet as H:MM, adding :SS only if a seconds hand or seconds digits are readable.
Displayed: 3:34
